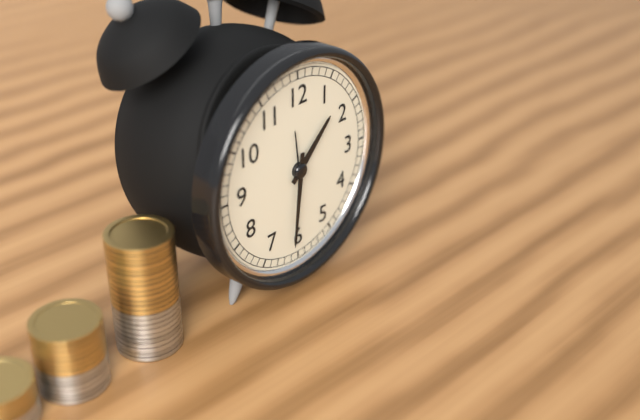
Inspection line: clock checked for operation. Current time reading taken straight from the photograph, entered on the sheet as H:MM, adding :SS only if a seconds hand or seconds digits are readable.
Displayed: 1:31
